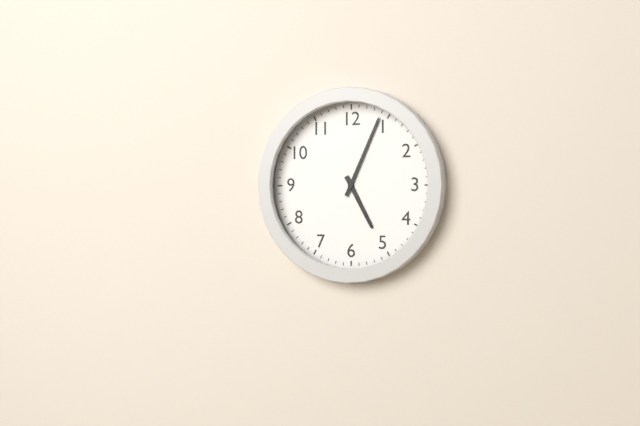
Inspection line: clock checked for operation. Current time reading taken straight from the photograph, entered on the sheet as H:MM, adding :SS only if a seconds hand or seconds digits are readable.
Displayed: 5:04
